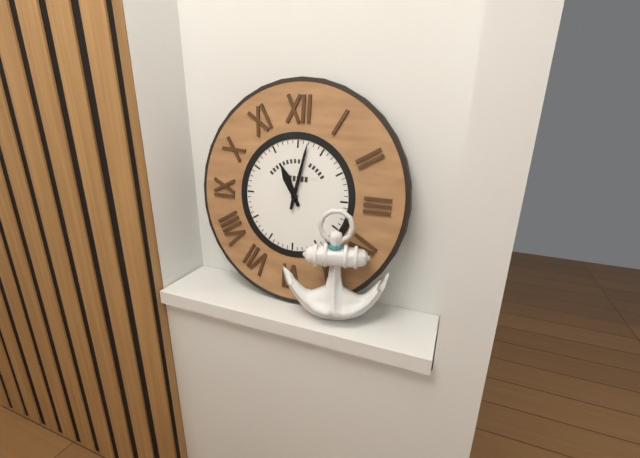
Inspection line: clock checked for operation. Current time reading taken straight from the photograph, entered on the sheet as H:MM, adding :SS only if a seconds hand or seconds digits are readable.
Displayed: 11:02
